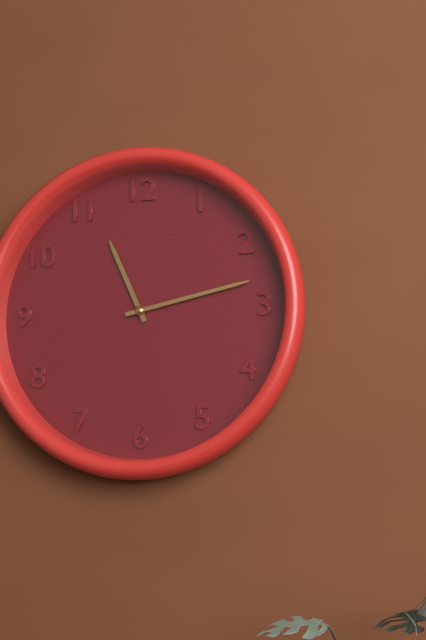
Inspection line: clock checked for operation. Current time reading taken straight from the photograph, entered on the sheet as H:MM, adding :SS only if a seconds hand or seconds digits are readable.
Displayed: 11:13
